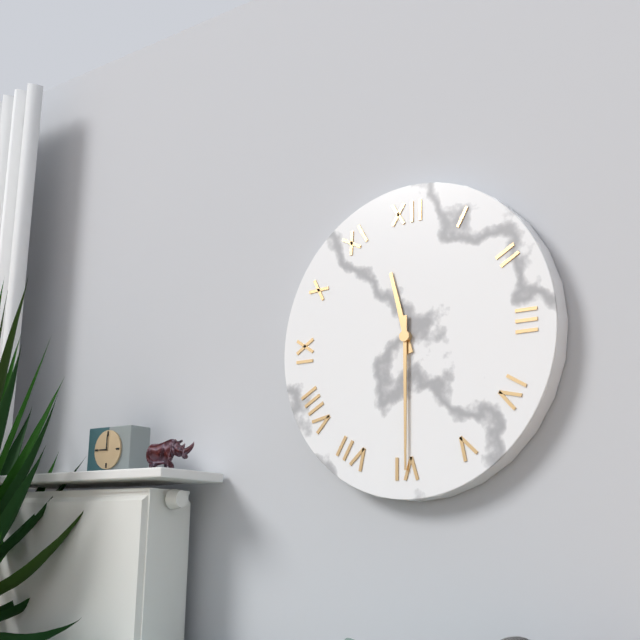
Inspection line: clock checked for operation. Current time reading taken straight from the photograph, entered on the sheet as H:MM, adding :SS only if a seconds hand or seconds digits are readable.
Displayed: 11:30
